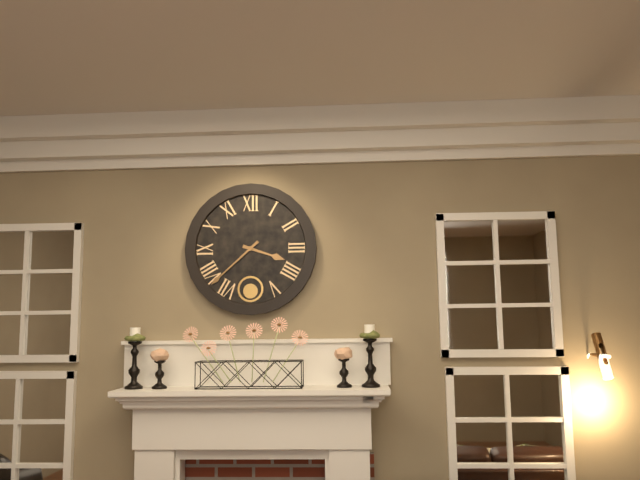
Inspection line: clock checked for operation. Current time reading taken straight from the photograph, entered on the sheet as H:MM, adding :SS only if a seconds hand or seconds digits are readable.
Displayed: 3:38
